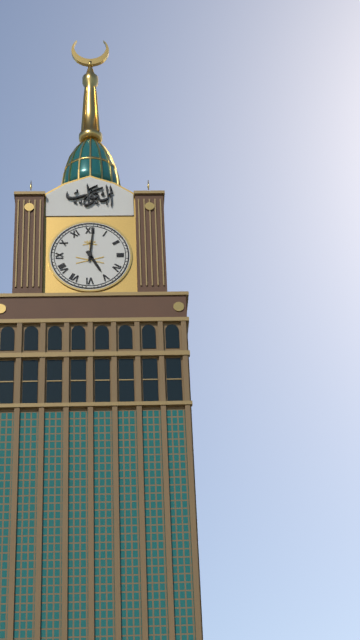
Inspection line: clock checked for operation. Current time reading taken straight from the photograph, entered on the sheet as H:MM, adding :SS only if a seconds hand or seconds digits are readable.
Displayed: 5:01
